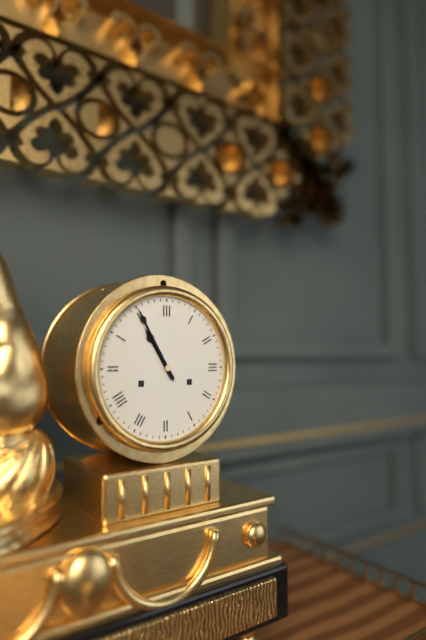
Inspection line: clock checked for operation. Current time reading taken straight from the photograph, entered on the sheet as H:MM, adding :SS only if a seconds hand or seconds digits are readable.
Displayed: 10:55
